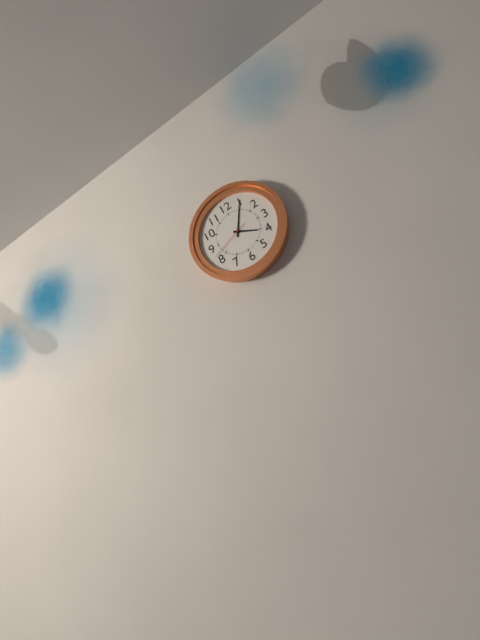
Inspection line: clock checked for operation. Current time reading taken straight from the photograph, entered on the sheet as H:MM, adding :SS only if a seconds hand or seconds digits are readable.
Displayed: 4:05
